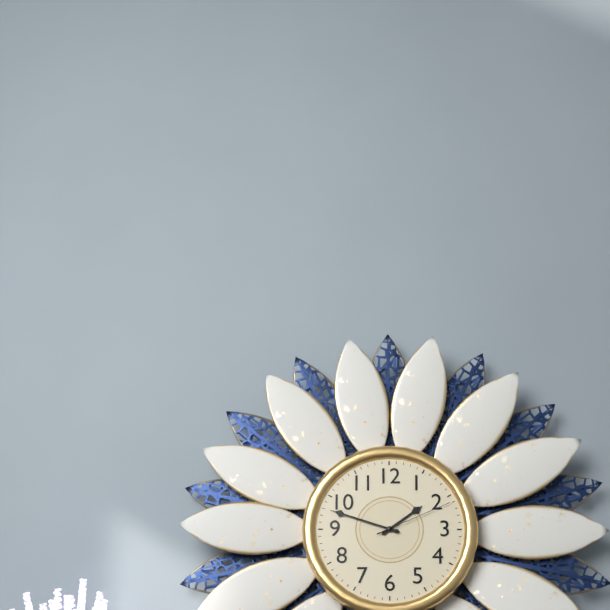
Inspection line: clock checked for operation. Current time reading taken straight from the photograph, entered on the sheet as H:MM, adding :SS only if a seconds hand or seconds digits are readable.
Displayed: 1:48:11
